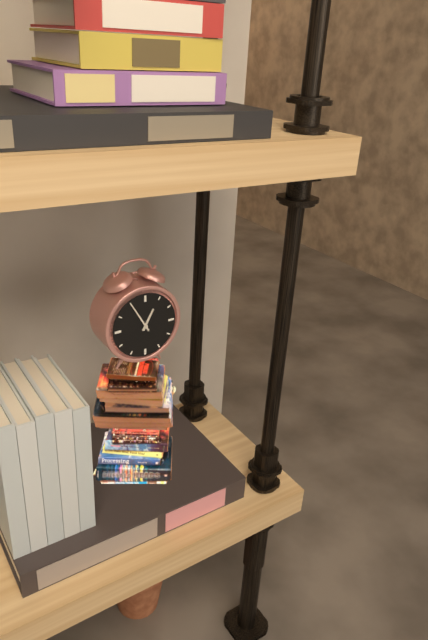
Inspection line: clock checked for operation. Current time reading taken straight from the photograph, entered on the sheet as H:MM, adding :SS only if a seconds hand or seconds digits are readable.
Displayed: 12:55
